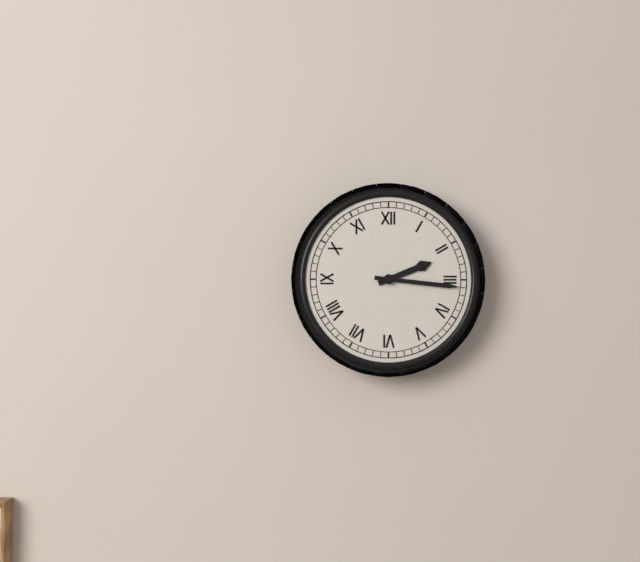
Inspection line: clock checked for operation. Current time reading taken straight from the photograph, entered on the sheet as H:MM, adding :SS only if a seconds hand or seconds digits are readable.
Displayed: 2:16
